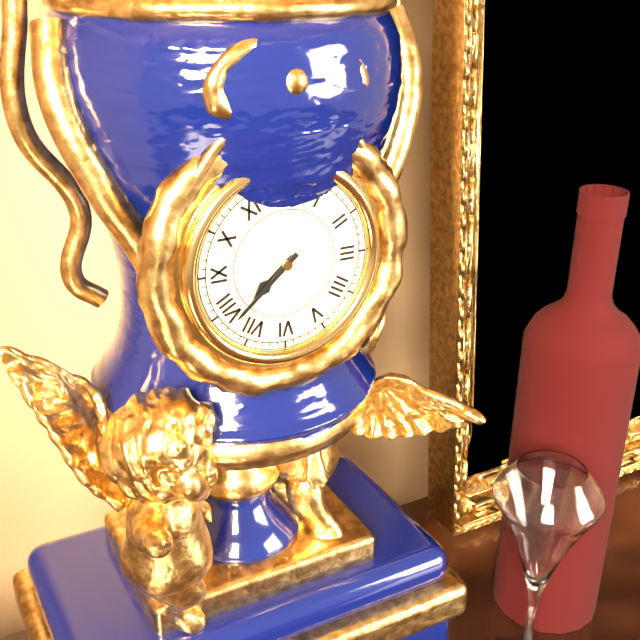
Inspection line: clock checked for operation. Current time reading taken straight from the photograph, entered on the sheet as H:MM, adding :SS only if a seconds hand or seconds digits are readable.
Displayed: 7:38
